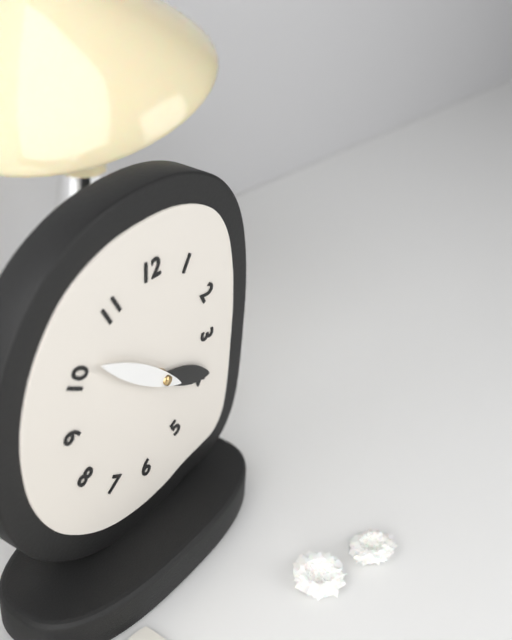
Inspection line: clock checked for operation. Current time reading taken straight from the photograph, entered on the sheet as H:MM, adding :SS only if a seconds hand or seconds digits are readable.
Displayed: 3:51
